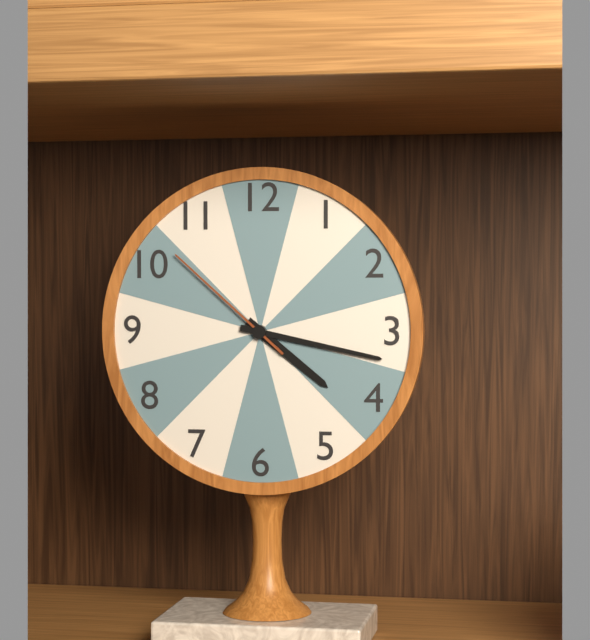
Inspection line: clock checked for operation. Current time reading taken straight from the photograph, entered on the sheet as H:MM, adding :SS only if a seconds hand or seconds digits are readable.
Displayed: 4:17:52
